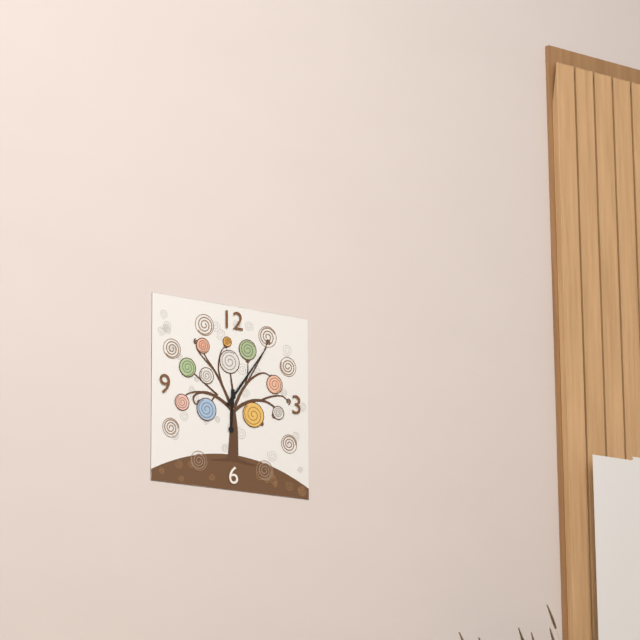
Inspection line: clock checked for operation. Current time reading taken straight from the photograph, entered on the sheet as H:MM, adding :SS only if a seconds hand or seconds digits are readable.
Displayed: 6:06
